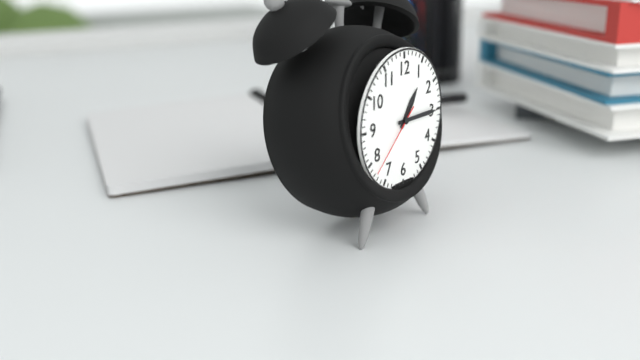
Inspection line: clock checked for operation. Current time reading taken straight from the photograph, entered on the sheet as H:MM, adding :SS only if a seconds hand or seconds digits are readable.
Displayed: 1:15:38
